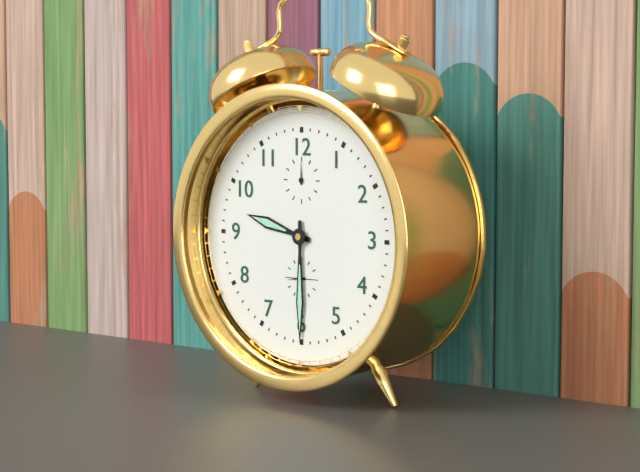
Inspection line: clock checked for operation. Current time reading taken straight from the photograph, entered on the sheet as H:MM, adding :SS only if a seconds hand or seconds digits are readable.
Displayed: 9:30
